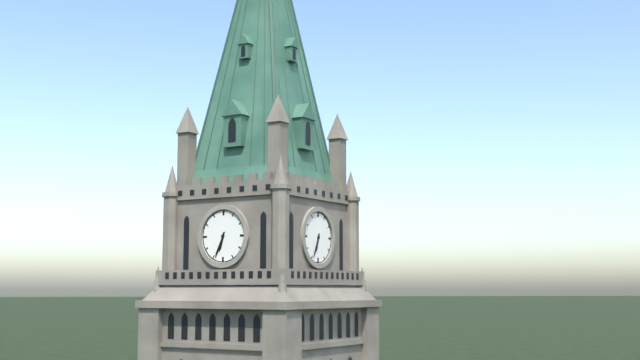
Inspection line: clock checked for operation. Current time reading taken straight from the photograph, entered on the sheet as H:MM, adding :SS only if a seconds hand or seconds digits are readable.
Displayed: 6:34
